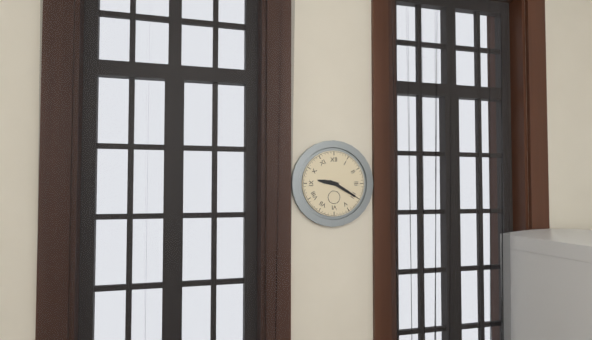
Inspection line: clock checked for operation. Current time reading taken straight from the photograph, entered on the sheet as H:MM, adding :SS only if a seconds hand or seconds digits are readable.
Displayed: 9:20
